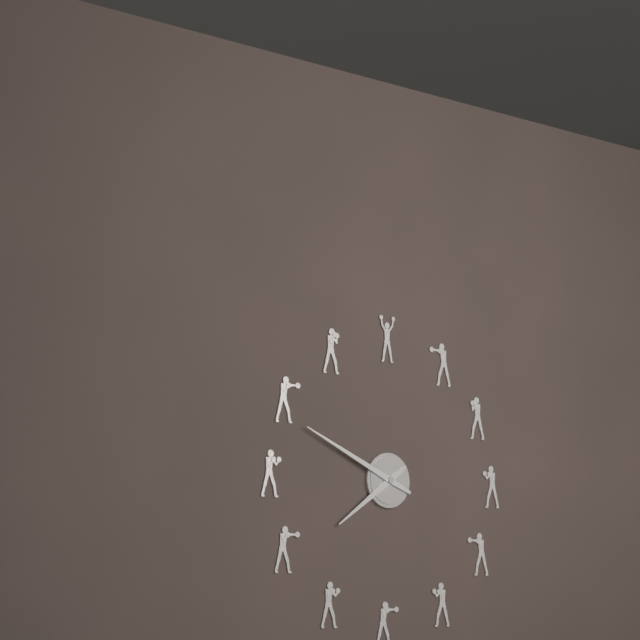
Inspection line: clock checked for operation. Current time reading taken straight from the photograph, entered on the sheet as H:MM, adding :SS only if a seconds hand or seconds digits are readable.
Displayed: 7:49
